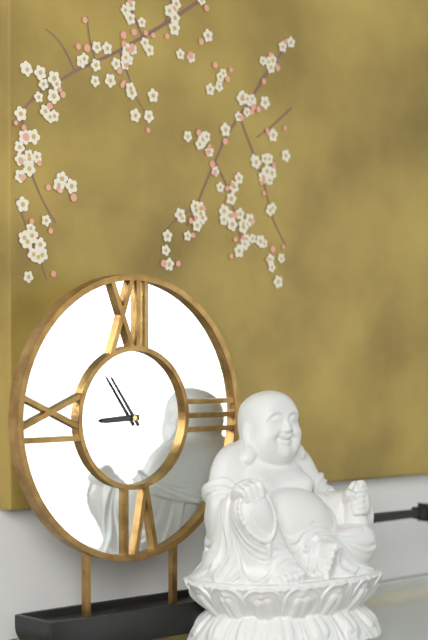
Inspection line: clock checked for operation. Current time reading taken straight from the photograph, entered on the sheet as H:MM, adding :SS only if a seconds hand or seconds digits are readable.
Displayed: 8:54
